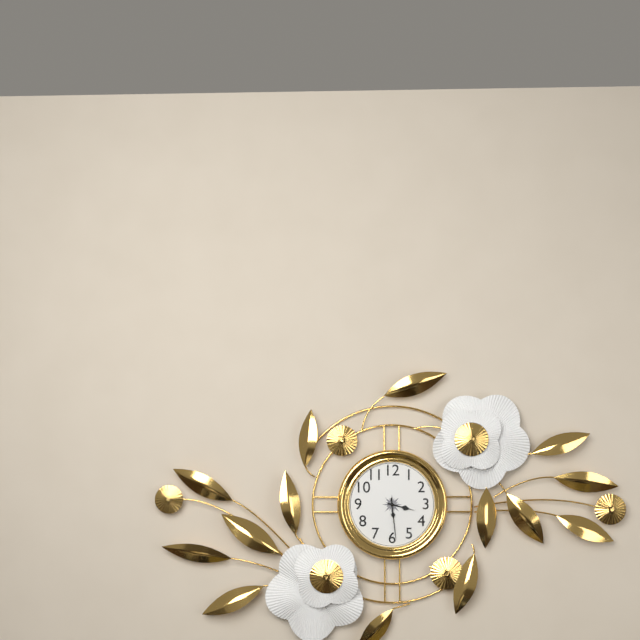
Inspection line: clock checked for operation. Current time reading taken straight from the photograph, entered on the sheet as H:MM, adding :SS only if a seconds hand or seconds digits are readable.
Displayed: 3:29
